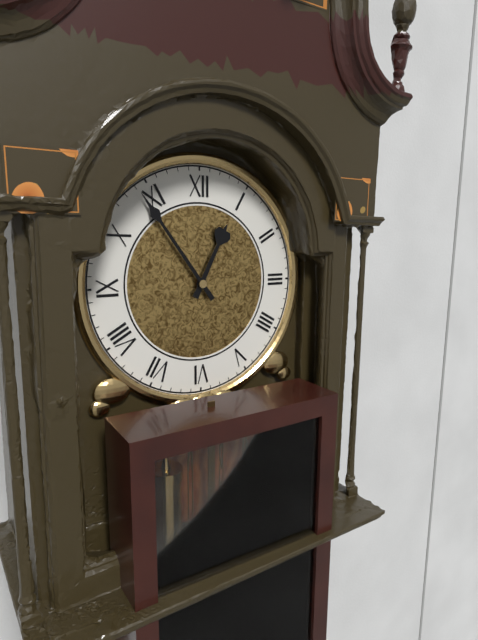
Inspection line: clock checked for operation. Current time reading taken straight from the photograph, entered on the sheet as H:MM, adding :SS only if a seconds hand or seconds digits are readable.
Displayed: 12:54
